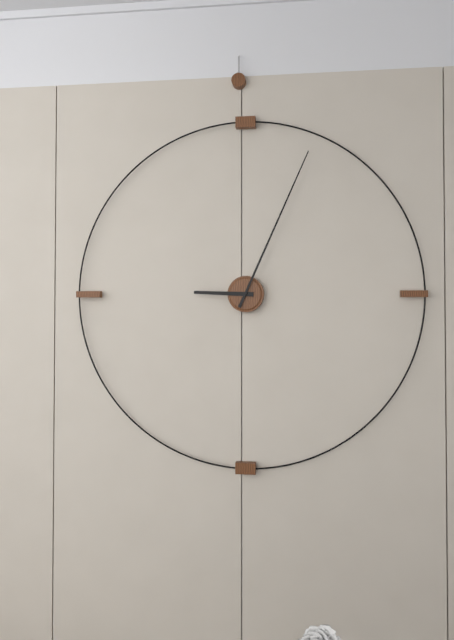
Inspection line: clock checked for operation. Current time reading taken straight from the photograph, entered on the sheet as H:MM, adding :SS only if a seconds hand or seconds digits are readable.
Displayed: 9:04
